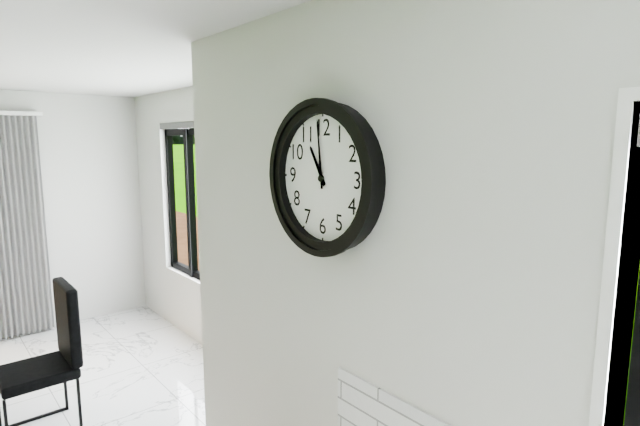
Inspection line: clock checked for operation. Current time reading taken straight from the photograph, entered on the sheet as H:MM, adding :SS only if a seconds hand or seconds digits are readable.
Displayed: 10:59
